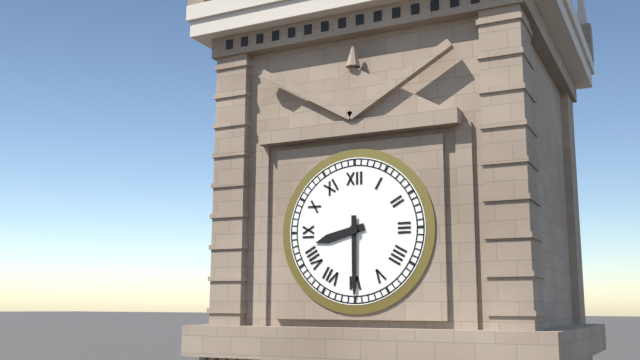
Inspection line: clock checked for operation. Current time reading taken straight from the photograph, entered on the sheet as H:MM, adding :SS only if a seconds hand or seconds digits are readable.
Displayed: 8:30
